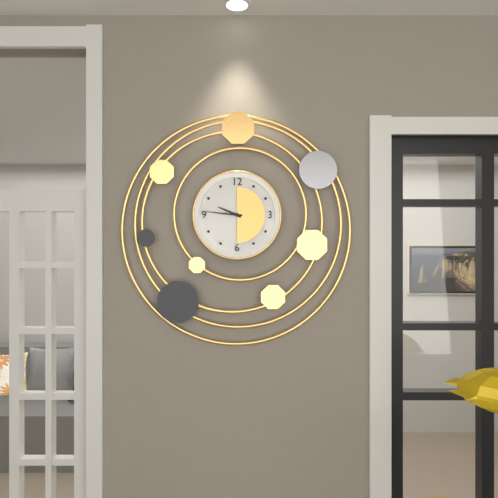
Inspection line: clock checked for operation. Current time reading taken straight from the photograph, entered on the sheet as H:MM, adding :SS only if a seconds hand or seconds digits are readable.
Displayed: 9:46
